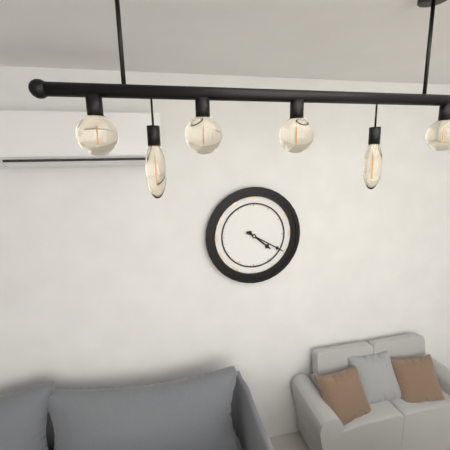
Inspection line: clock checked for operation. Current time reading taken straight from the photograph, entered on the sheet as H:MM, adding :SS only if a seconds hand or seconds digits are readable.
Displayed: 4:20
